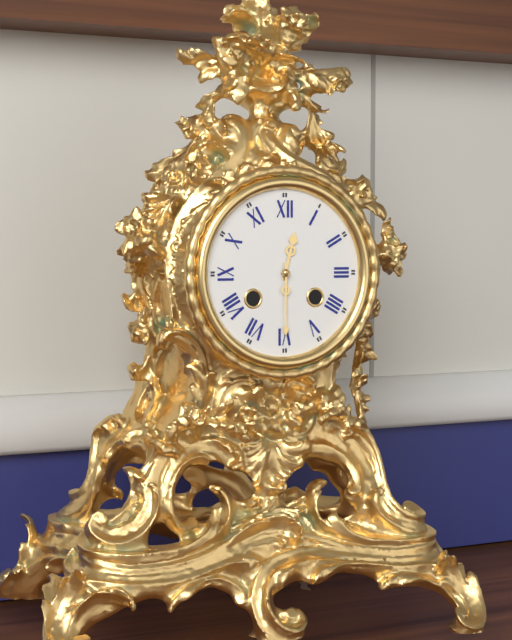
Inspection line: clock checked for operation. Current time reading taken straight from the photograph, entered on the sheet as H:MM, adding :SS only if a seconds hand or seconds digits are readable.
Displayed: 12:30
